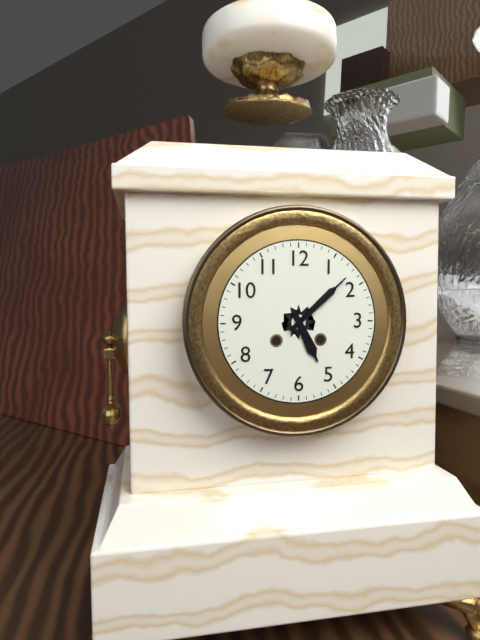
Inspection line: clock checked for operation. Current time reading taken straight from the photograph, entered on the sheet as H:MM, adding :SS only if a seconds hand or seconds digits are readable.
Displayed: 5:08
